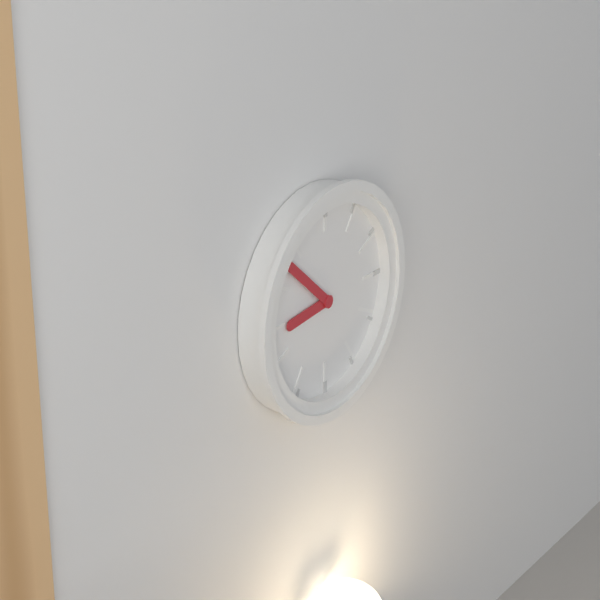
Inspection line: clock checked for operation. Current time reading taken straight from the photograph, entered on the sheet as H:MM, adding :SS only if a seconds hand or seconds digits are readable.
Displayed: 8:52
